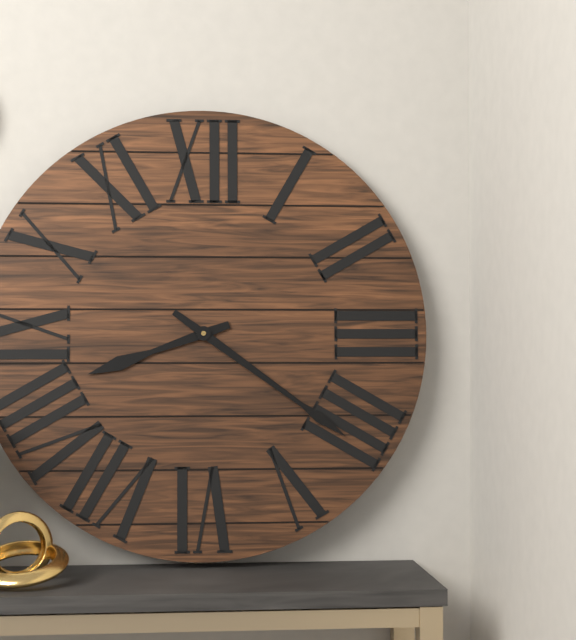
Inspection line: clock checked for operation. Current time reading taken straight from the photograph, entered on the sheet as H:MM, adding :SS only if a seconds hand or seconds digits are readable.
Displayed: 8:21
